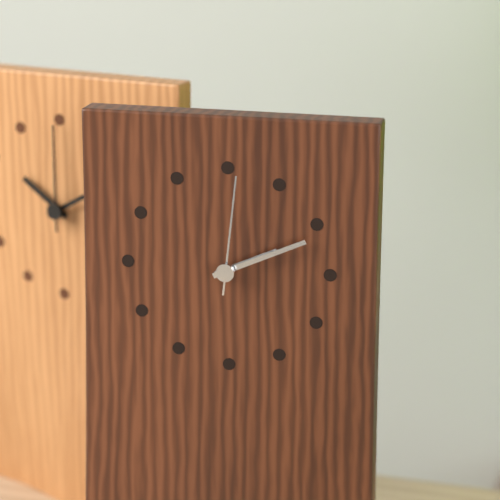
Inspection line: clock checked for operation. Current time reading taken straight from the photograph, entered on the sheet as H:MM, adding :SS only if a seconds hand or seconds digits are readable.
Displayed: 2:11:01
